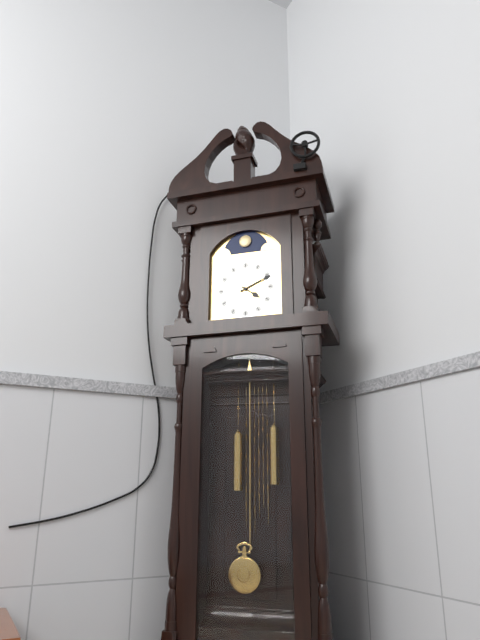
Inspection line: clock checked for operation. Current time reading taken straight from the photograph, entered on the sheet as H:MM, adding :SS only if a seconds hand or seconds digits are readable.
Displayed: 4:11
